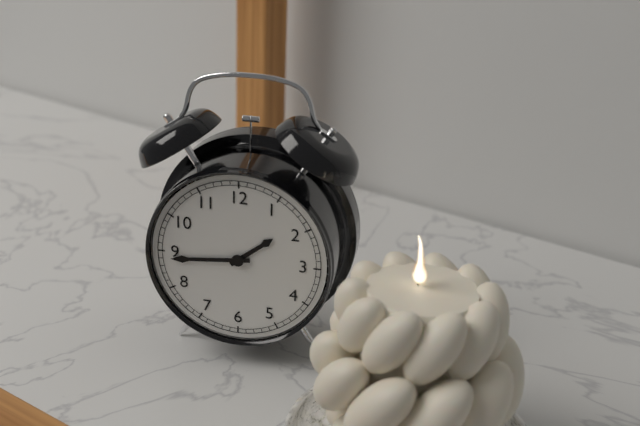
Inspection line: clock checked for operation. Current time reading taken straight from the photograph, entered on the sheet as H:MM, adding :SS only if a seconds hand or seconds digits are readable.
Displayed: 1:44
